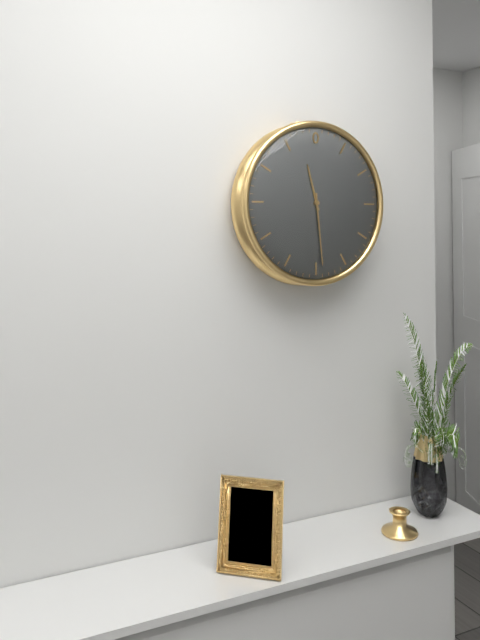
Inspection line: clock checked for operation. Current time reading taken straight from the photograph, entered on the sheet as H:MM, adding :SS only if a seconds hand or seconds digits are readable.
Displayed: 11:29
